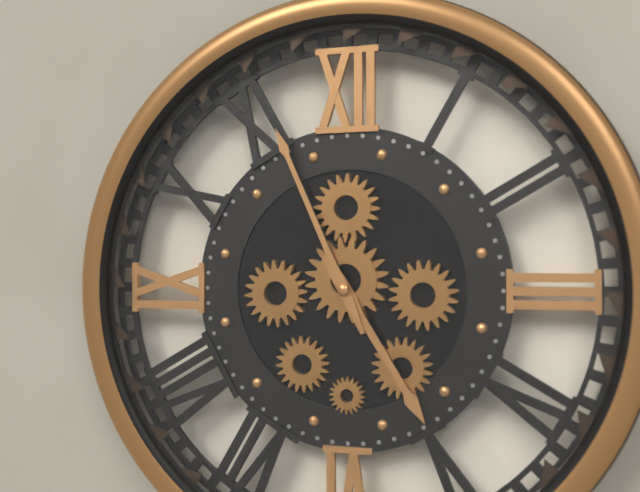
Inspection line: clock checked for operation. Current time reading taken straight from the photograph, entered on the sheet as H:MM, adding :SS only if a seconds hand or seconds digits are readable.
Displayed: 4:56
